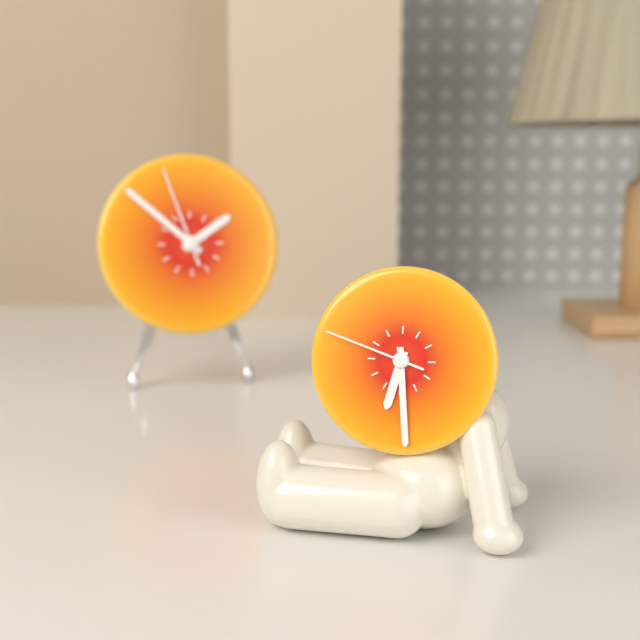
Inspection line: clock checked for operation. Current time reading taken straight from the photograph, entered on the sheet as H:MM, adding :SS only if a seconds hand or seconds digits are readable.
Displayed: 6:29:48
